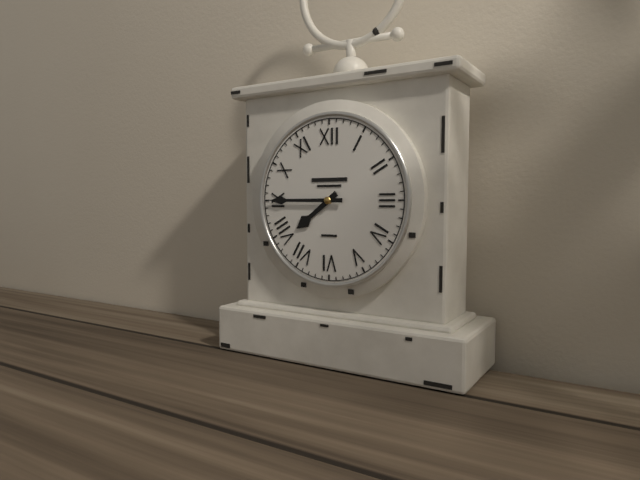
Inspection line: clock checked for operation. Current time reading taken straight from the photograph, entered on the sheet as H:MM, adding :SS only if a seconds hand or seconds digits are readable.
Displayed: 7:45
